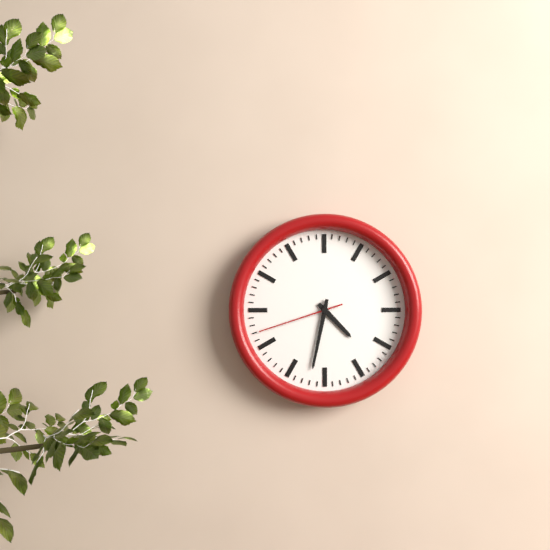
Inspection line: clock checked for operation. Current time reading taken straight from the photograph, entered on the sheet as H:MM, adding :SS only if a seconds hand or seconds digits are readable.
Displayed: 4:32:42
